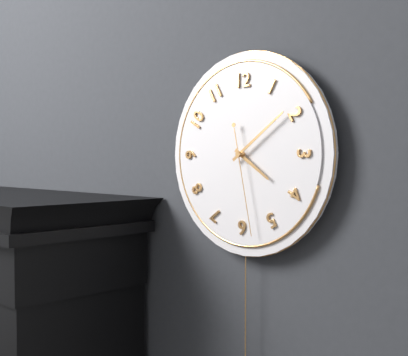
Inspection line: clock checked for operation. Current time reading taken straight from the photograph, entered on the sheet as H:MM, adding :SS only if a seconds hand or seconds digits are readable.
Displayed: 4:09:28
